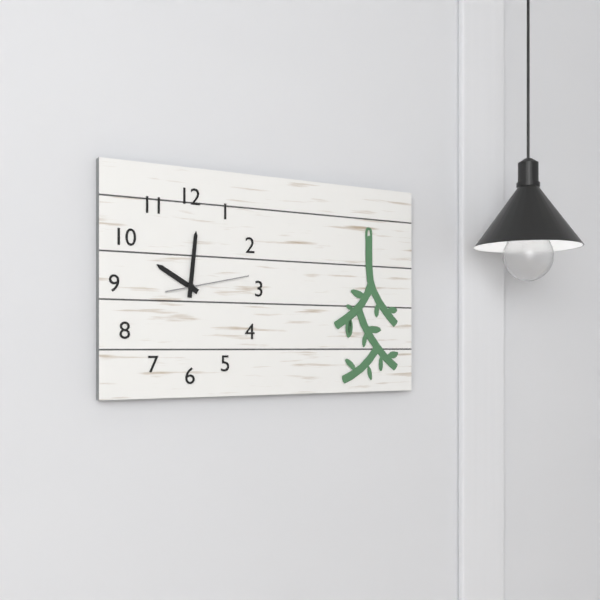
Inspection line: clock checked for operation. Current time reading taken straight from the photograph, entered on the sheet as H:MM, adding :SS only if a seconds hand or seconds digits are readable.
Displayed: 10:01:13
